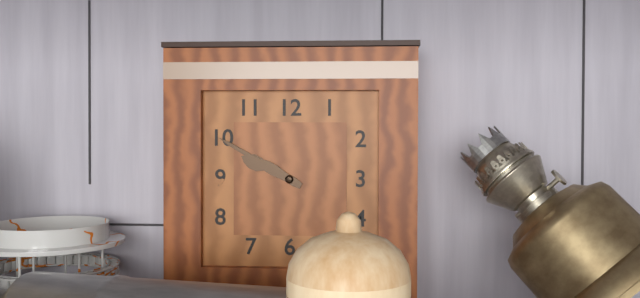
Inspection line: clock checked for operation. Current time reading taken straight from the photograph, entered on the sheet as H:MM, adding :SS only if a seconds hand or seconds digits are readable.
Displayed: 9:50
